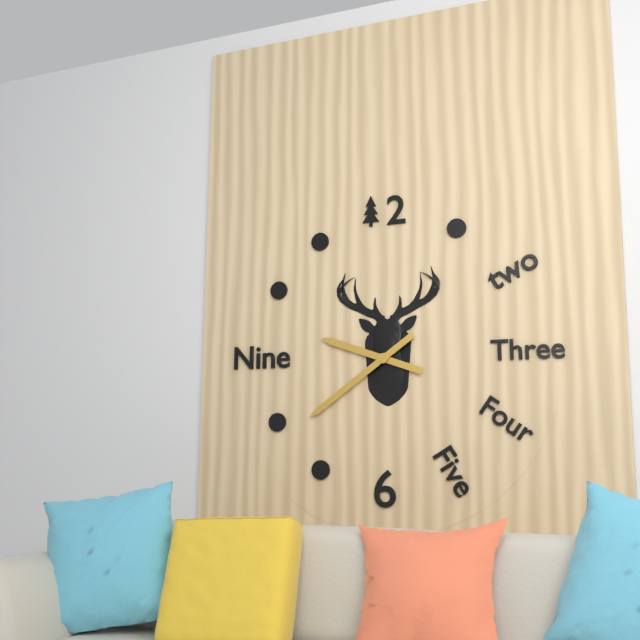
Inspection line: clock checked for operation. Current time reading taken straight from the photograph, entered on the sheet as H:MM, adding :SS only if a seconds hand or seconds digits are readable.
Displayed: 9:39
